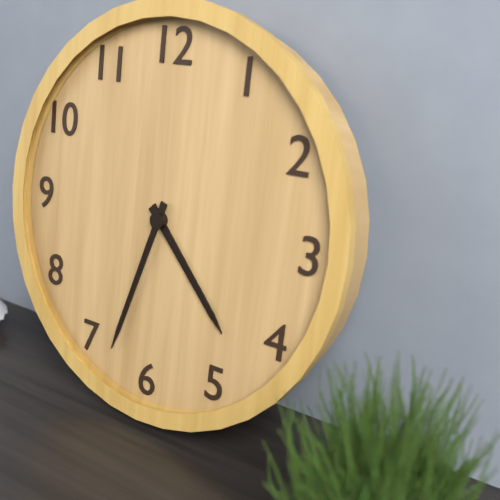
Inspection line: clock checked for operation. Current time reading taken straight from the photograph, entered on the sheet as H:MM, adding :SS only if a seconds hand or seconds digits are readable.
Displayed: 4:33
